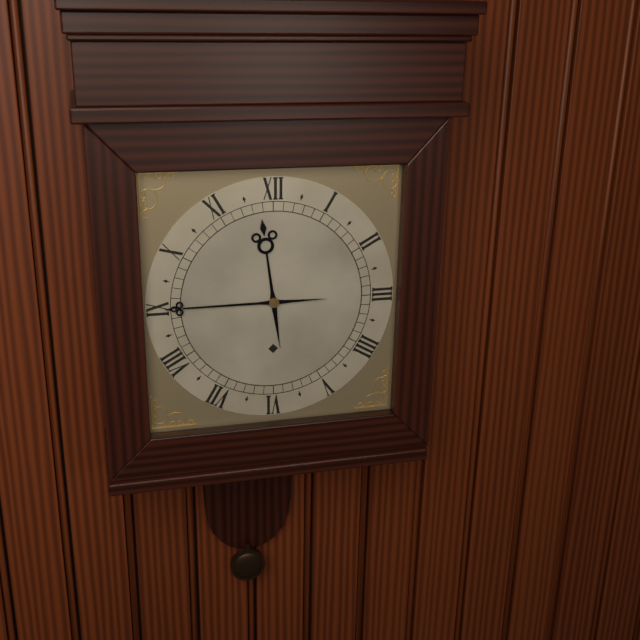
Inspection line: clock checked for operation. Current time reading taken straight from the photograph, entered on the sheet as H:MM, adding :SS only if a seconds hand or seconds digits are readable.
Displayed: 11:45
